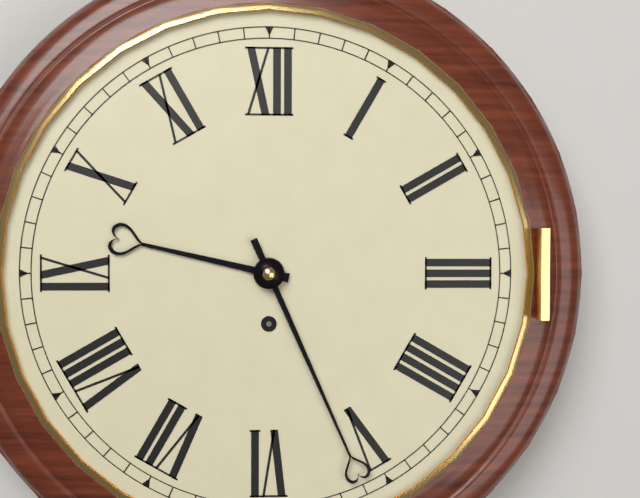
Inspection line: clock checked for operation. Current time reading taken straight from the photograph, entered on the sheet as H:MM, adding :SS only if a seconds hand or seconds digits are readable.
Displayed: 9:26
